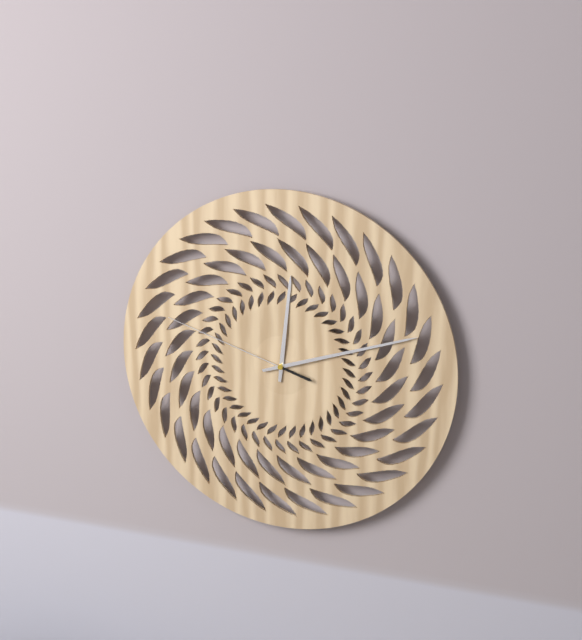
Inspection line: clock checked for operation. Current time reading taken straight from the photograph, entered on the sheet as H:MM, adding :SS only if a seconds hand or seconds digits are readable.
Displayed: 12:12:48
